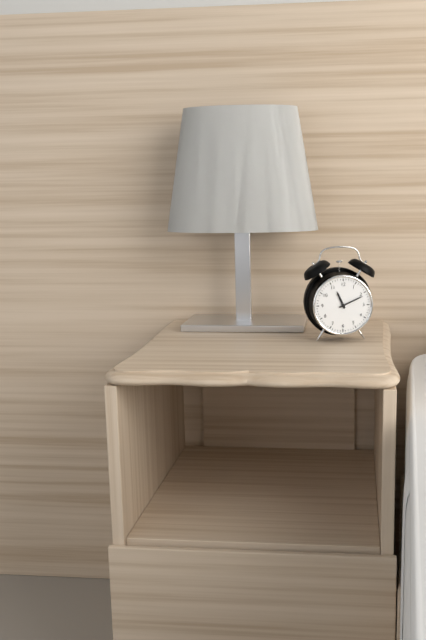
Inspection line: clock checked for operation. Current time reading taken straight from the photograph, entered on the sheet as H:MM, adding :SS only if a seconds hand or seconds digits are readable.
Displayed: 11:11
